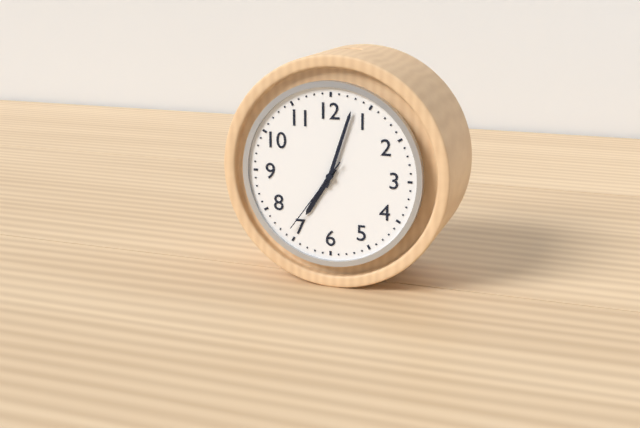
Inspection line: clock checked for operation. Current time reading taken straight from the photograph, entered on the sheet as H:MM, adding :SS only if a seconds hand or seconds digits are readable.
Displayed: 7:03:36
